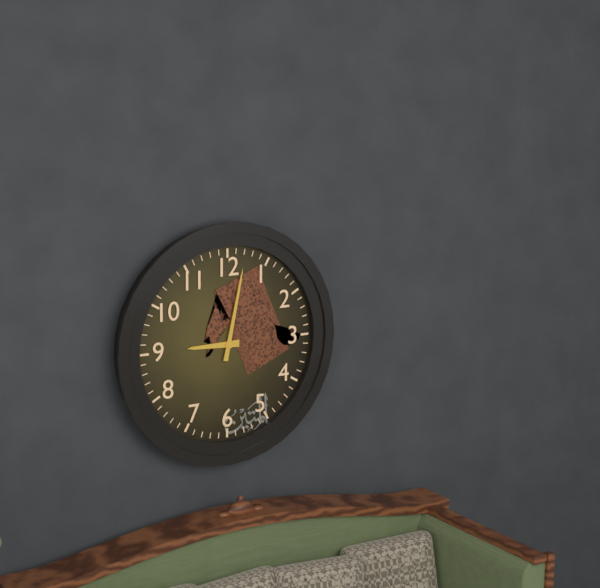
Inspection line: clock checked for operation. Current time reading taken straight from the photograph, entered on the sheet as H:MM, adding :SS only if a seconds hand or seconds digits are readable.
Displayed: 9:02
